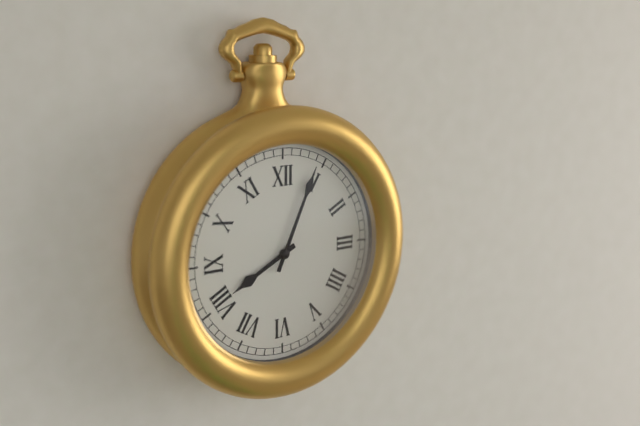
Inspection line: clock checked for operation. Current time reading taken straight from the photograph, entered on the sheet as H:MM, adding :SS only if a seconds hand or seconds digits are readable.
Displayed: 8:04
